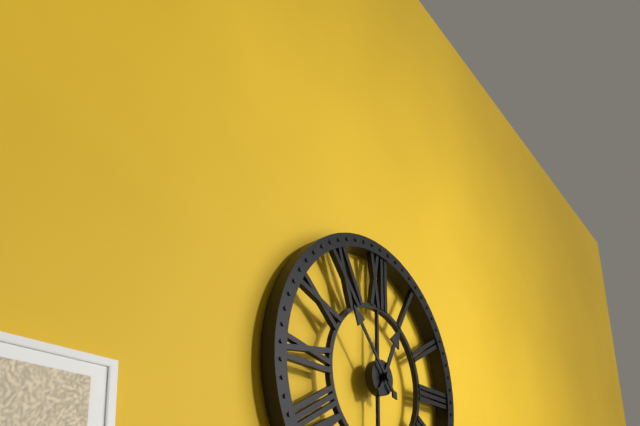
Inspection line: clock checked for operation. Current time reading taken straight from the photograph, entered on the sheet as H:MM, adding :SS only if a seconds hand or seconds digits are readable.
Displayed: 12:53
